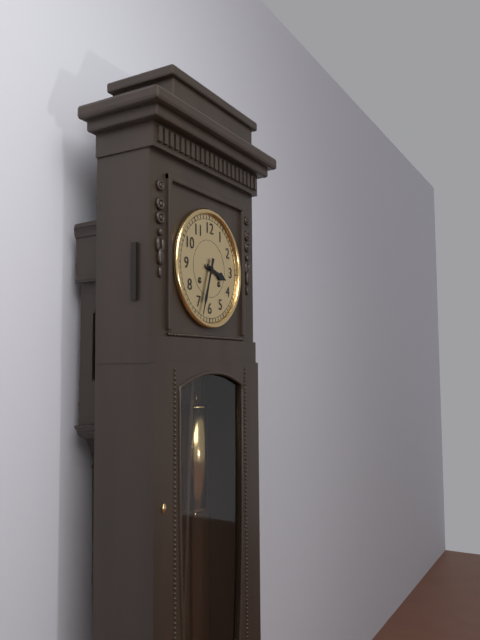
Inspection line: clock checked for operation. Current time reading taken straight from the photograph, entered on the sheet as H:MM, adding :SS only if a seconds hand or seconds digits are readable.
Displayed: 3:33
